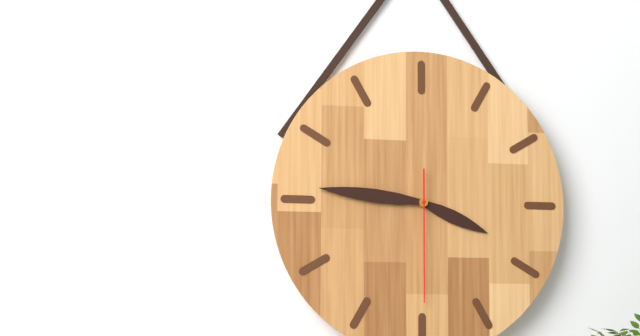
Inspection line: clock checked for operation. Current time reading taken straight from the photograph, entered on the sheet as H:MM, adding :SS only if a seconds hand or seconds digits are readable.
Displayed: 3:46:30
